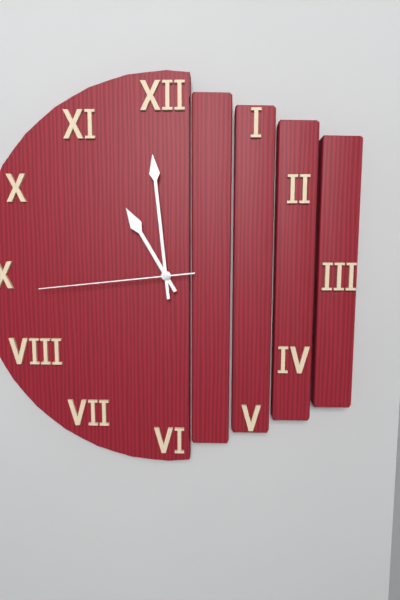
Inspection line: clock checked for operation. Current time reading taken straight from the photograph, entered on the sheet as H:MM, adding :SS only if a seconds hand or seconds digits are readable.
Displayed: 10:59:44
